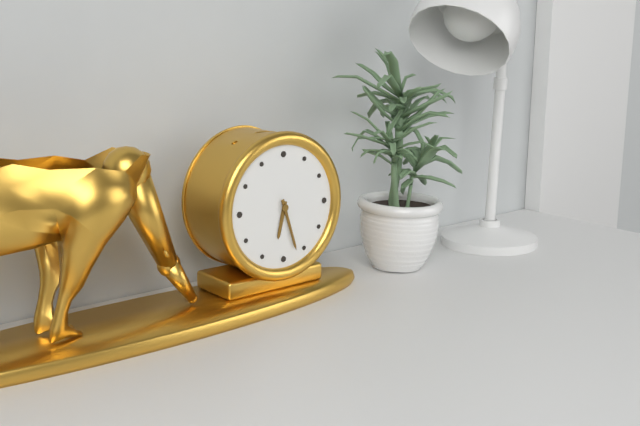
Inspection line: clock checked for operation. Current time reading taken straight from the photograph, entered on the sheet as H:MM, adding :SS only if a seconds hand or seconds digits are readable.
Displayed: 6:27
